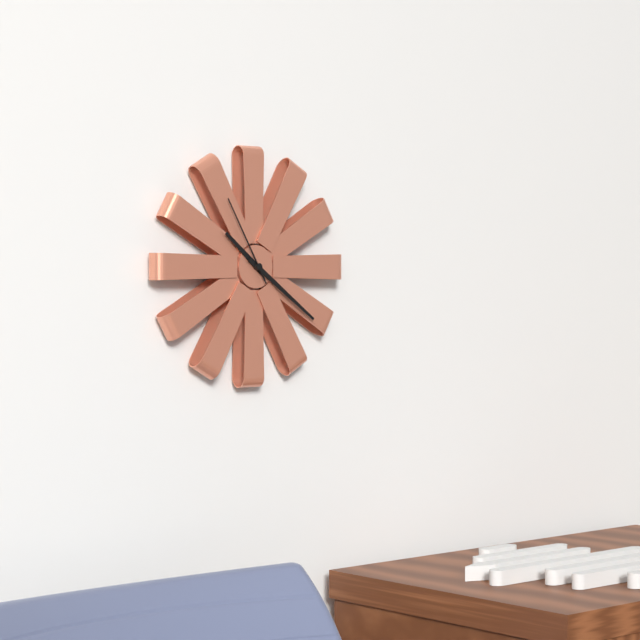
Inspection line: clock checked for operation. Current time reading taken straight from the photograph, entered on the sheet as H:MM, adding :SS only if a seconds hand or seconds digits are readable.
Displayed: 10:21:55
